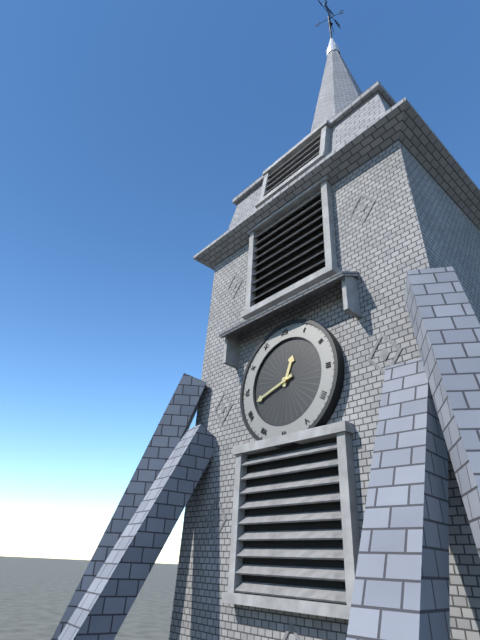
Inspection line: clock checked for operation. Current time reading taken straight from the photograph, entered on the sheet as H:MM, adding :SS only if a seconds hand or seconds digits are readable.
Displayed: 12:42
